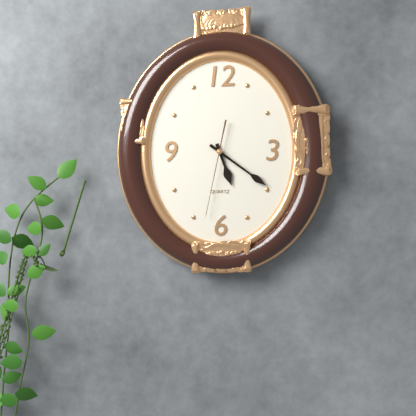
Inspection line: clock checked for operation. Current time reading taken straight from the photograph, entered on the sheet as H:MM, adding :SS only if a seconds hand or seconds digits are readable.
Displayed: 5:21:32
